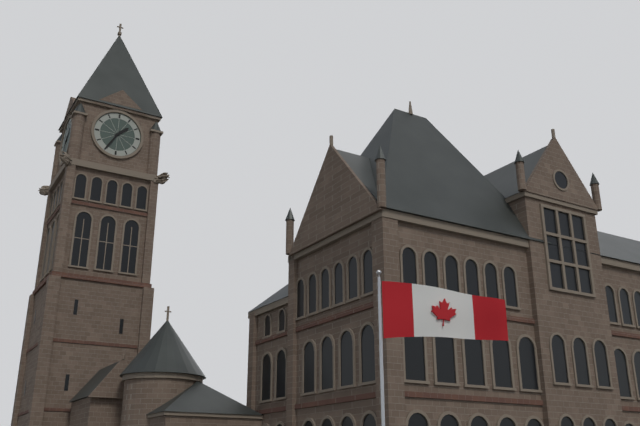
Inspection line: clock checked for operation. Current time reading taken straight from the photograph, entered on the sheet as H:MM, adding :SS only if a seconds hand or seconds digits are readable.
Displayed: 1:35
